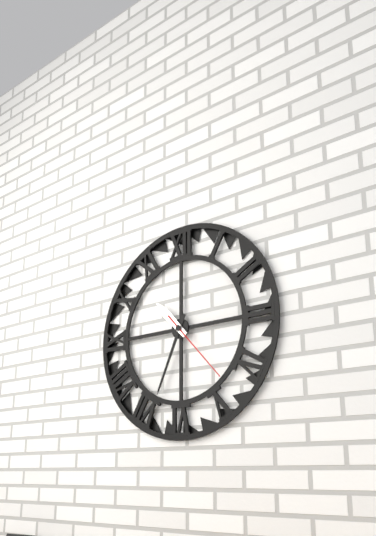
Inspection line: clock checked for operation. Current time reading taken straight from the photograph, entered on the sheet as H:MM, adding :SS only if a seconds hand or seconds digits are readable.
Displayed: 10:34:23
